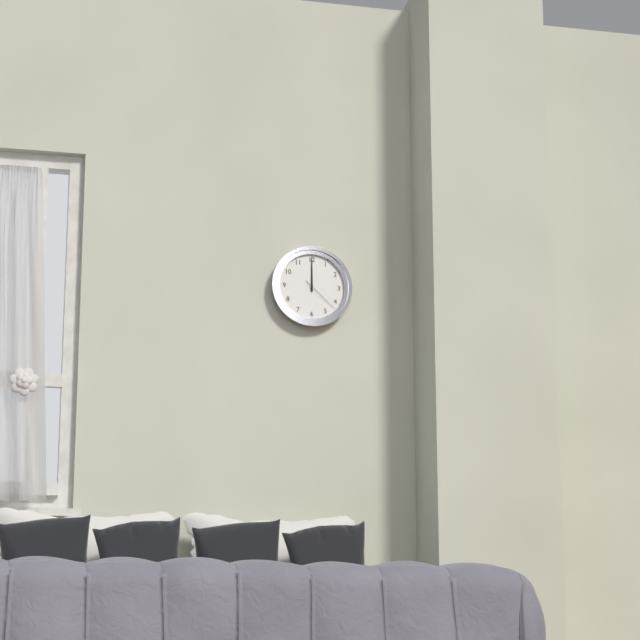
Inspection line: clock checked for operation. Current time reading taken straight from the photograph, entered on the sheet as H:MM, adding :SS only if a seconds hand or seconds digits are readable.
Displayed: 12:00
